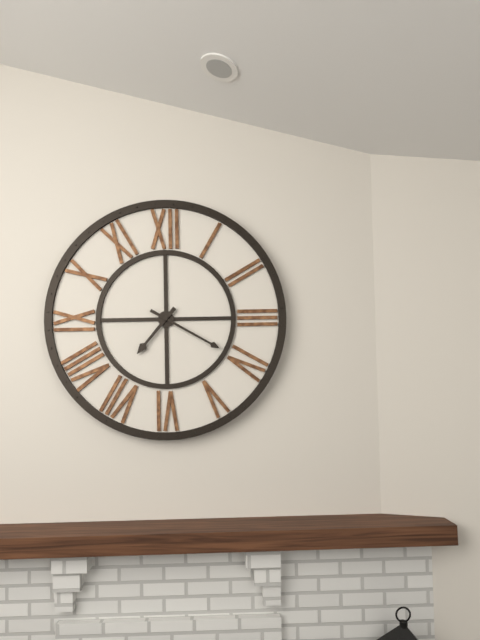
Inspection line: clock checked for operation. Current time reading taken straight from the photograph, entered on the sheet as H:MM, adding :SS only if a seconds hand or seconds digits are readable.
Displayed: 7:20
